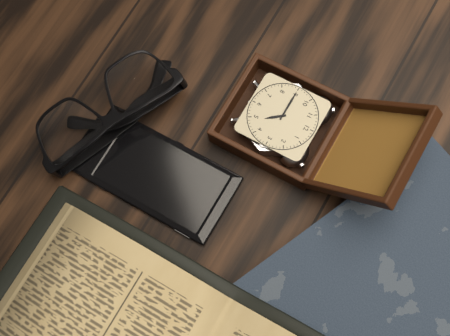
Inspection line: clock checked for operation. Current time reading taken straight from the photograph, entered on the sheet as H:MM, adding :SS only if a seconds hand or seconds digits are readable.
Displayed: 4:45
